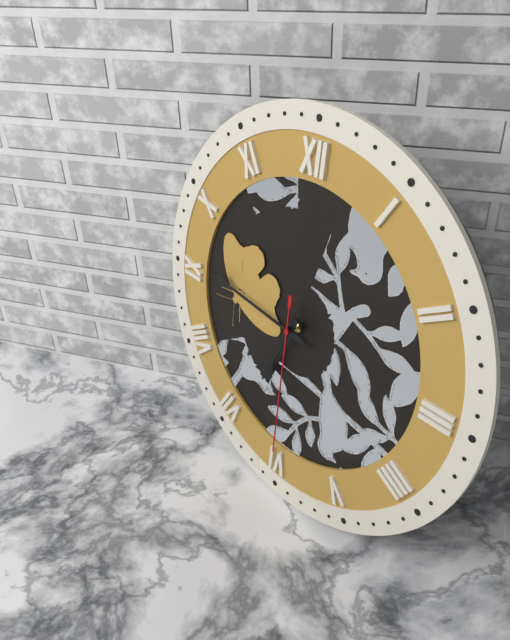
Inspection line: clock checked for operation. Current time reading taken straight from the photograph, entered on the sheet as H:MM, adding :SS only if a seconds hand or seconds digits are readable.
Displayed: 6:46:30
